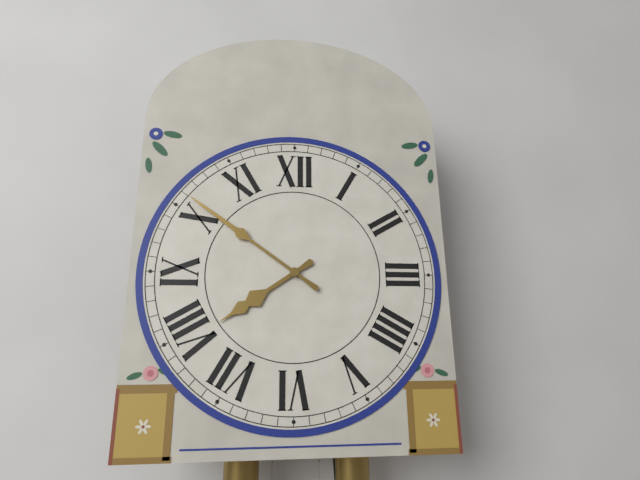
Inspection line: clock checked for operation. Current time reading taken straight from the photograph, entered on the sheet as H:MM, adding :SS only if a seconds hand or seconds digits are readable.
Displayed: 7:51
